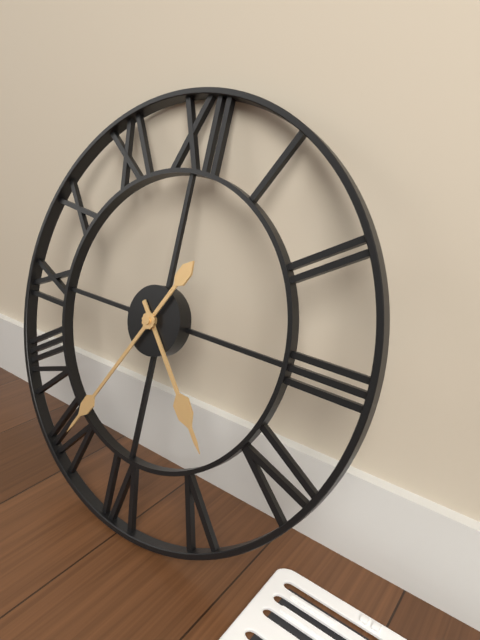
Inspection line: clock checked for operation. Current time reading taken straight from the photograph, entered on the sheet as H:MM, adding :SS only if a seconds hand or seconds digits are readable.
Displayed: 4:35
